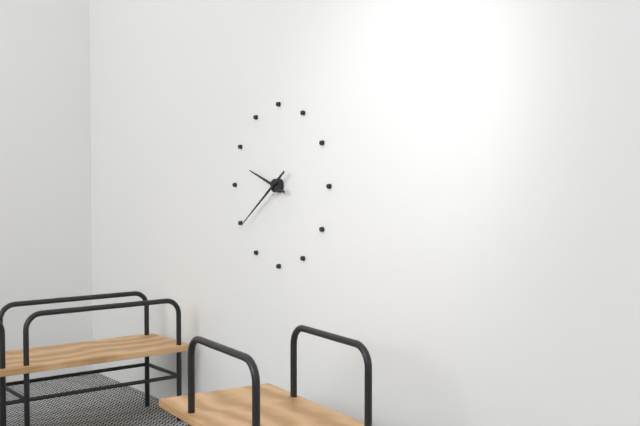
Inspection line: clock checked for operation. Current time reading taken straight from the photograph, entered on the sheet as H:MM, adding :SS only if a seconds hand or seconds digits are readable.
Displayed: 9:39
